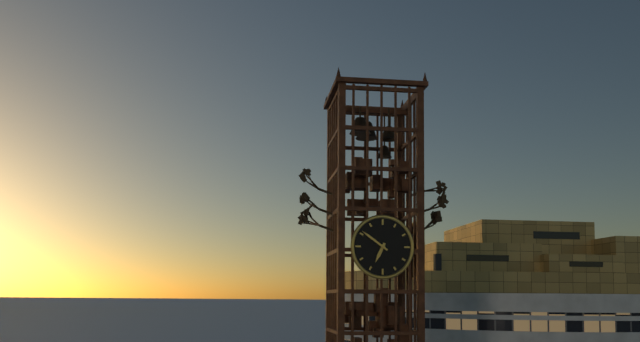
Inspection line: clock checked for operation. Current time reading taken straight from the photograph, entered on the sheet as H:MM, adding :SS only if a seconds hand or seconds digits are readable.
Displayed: 6:51
